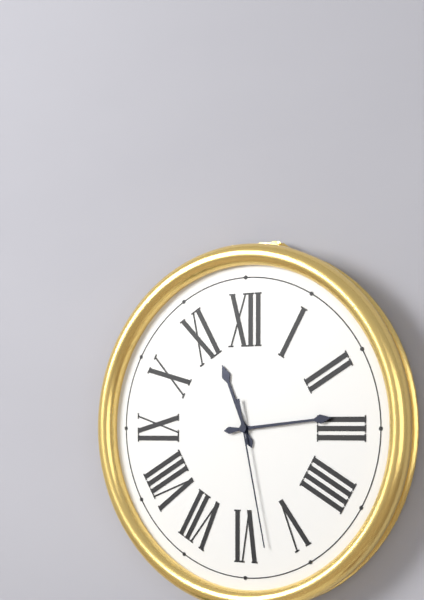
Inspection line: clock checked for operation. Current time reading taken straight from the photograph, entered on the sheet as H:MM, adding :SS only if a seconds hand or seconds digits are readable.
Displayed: 11:14:28
